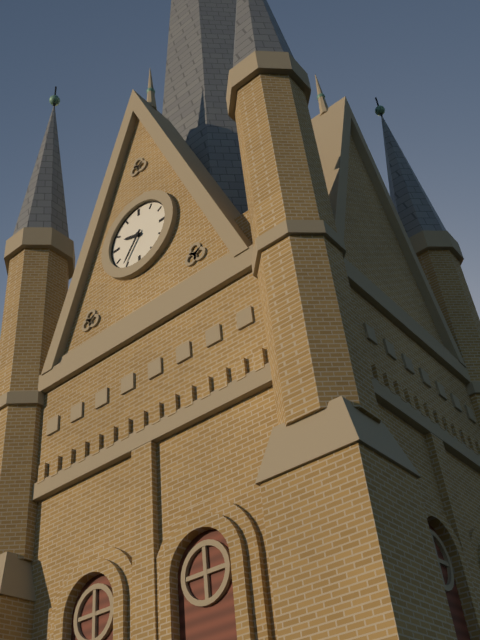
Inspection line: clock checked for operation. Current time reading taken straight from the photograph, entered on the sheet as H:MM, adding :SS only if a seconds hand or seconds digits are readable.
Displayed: 9:36
